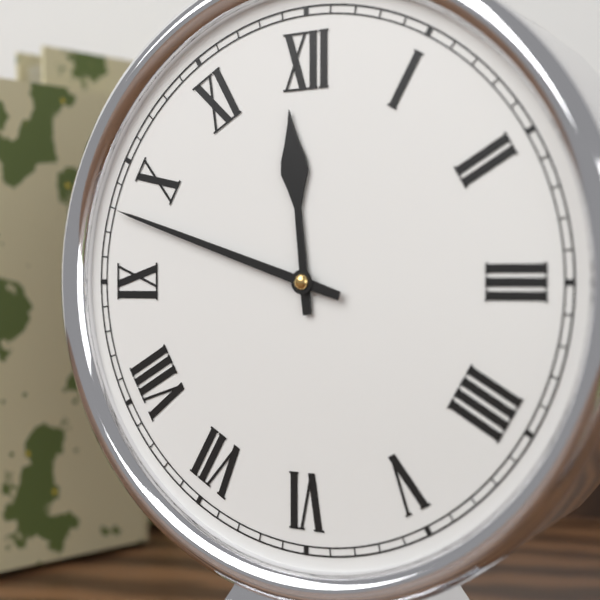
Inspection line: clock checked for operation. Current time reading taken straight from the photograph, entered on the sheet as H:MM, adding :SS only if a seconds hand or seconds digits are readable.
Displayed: 11:48
